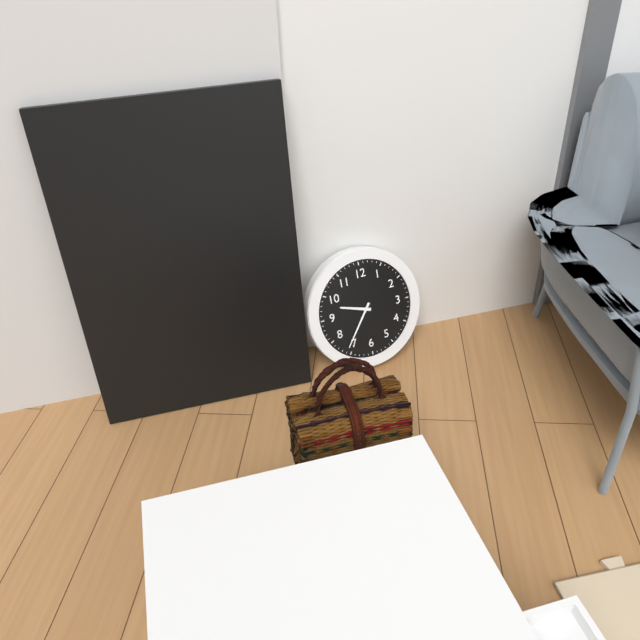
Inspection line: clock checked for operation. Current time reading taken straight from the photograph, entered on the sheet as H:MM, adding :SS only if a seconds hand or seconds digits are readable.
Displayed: 9:36
